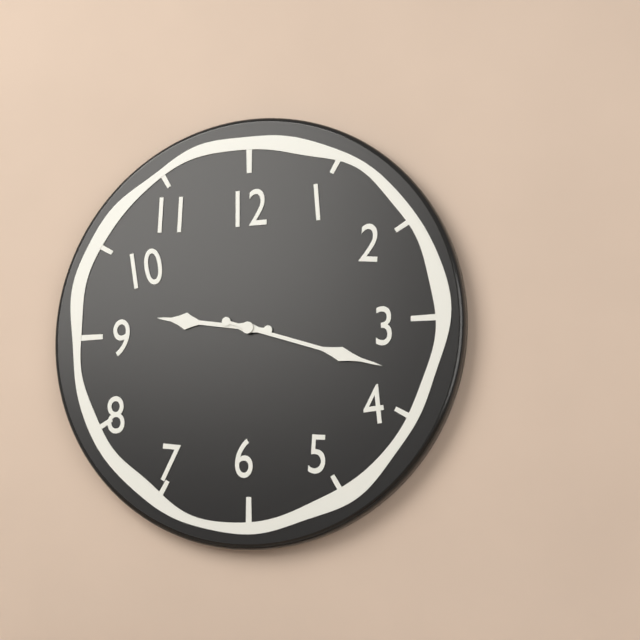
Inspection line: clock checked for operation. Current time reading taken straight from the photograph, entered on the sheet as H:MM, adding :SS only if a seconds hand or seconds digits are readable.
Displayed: 9:18
